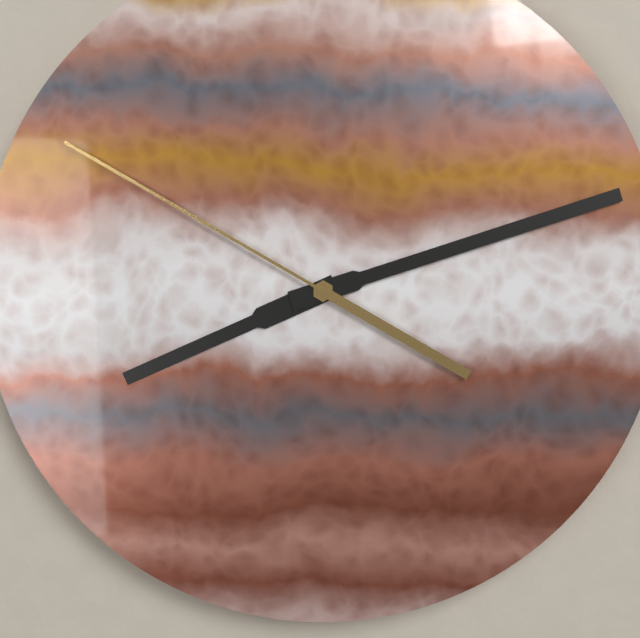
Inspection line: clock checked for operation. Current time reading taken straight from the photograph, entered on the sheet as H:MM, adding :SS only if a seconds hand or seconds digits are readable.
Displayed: 8:12:50
